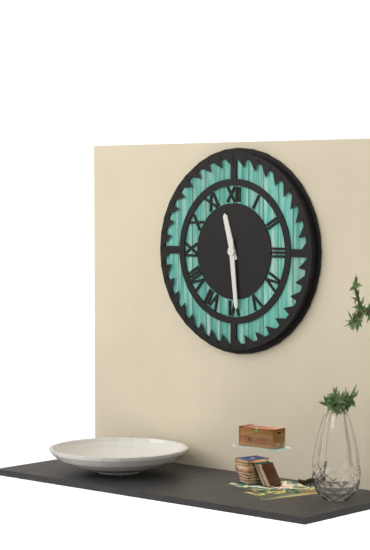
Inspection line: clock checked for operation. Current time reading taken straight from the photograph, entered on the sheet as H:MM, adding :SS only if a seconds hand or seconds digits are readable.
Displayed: 11:29
